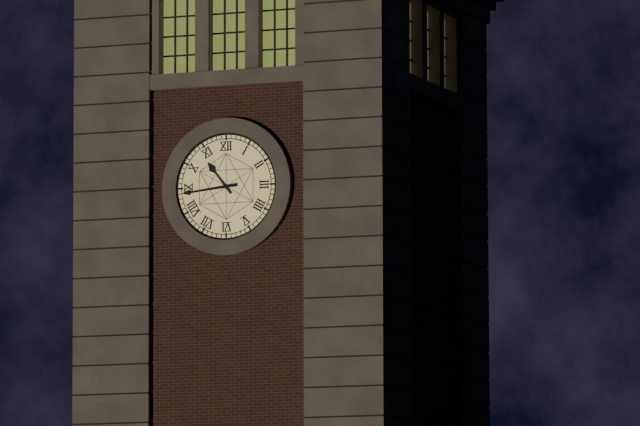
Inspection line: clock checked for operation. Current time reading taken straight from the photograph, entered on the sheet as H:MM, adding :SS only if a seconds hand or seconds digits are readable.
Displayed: 10:44
